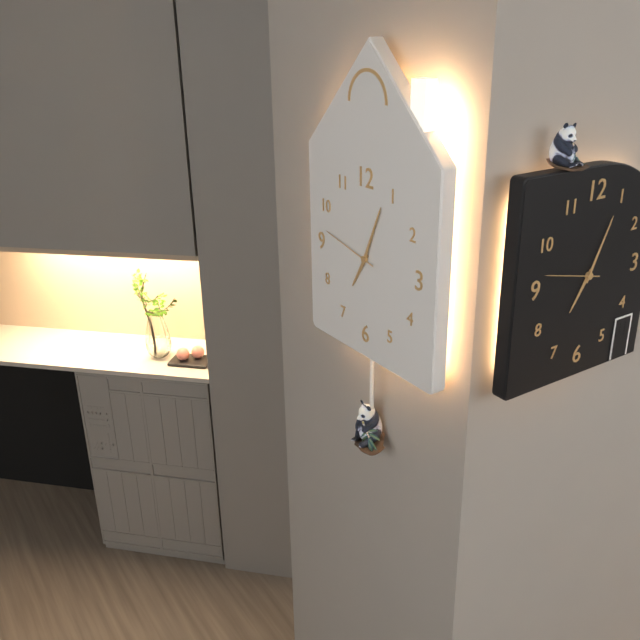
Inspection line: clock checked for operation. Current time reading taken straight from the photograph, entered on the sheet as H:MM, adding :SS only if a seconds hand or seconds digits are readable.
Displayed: 7:04:47
